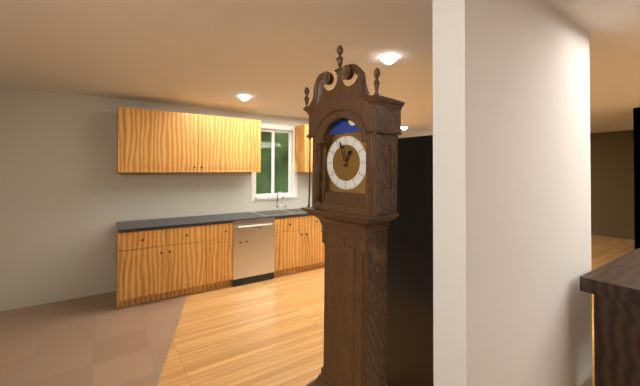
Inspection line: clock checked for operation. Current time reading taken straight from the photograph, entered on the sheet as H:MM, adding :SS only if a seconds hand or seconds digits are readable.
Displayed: 12:57
